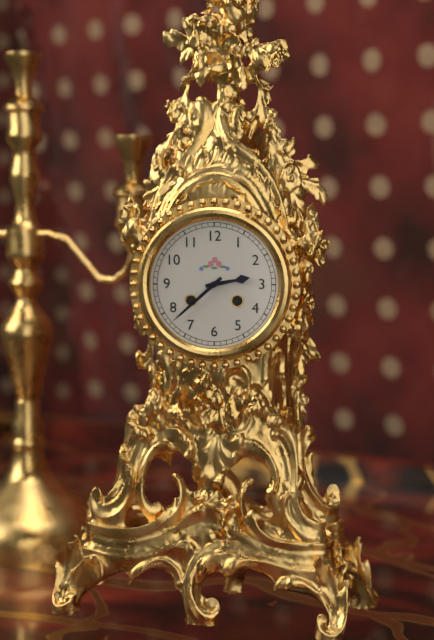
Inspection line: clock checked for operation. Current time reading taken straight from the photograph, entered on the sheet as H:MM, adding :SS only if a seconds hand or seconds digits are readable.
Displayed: 2:38
